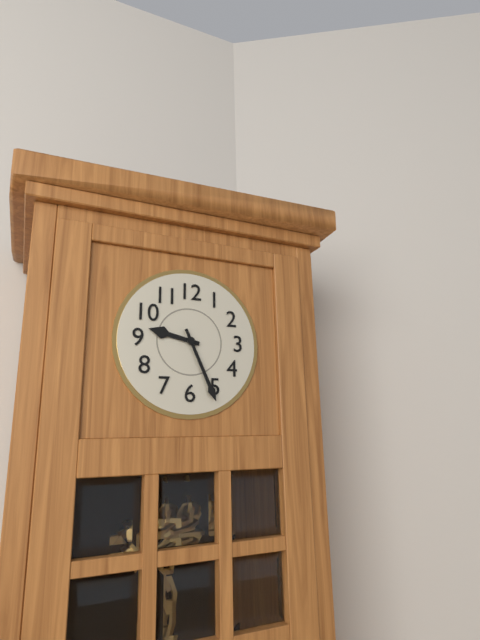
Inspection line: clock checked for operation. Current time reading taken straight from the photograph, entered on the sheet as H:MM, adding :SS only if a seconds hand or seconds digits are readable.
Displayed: 9:26
